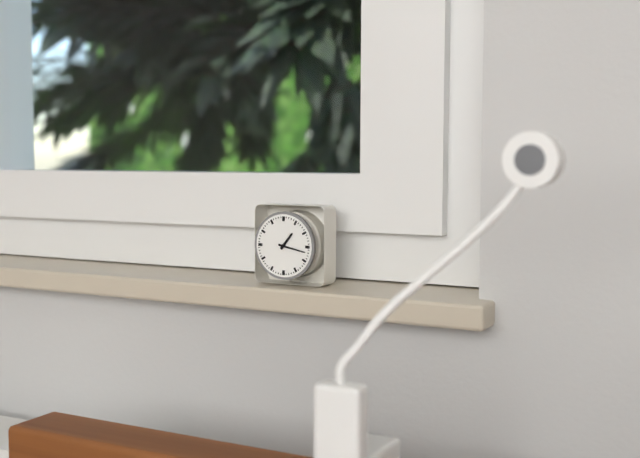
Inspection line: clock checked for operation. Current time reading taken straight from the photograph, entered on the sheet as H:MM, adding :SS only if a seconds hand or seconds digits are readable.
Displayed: 1:17
